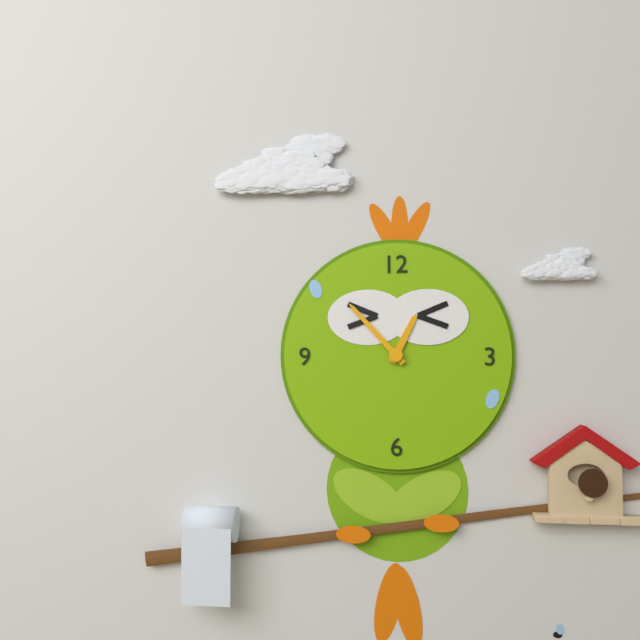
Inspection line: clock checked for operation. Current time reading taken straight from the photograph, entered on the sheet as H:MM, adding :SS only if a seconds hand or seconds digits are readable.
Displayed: 12:53
